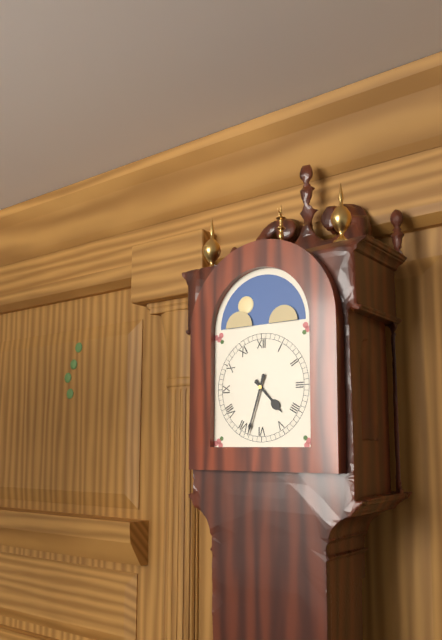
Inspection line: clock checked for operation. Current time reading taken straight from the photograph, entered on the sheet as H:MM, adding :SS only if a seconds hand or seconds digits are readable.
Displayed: 4:33
